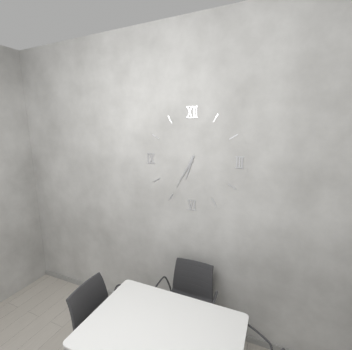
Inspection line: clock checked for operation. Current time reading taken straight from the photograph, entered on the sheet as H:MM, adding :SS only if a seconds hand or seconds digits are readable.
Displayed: 6:35
